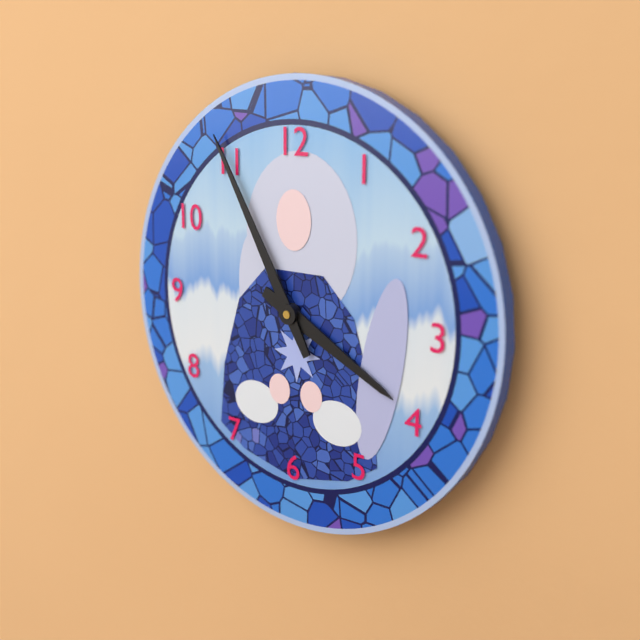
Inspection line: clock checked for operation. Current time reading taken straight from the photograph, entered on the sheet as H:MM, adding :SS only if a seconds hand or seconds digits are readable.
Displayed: 3:55
